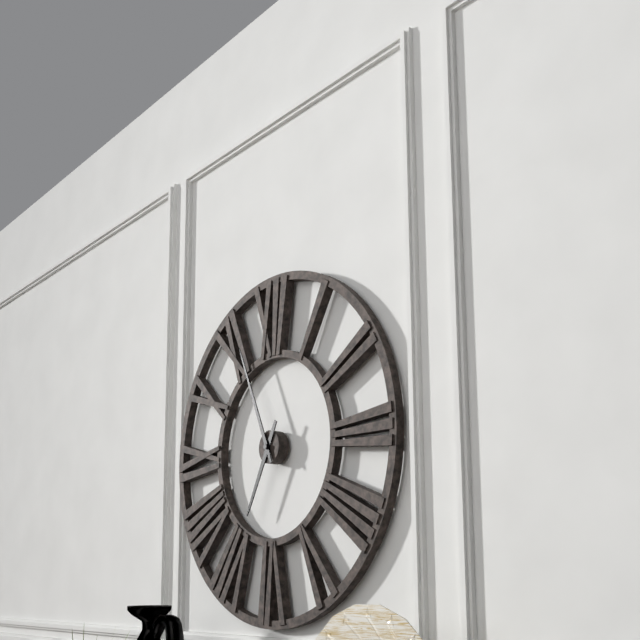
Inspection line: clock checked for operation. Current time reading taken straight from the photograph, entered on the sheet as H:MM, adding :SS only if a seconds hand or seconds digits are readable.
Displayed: 6:56
